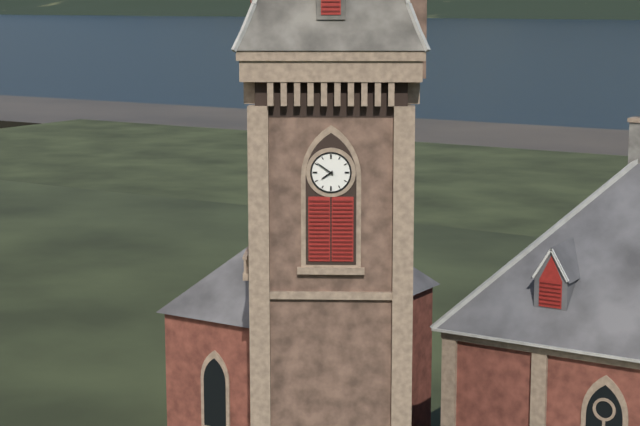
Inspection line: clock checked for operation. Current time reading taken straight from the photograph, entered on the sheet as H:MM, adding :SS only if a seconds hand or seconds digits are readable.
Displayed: 7:51
